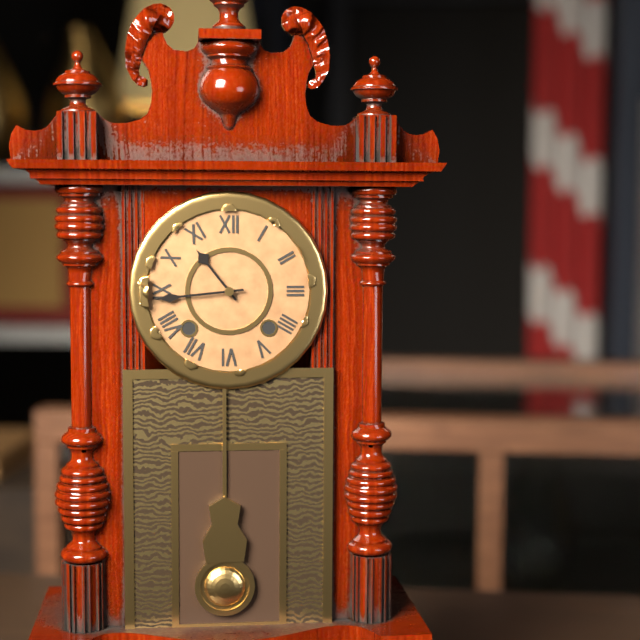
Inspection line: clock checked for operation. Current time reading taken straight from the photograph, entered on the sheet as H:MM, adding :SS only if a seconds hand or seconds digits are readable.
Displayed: 10:44
